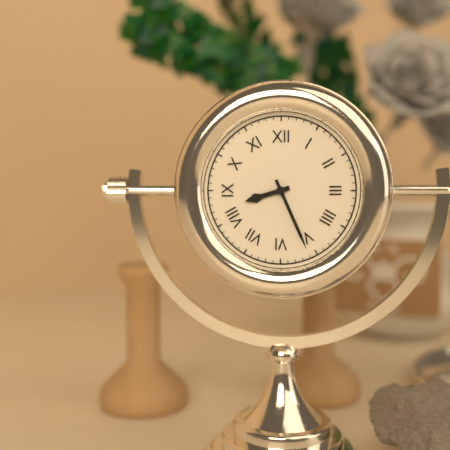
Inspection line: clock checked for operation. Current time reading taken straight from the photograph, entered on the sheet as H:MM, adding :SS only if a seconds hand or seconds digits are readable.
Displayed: 8:26
